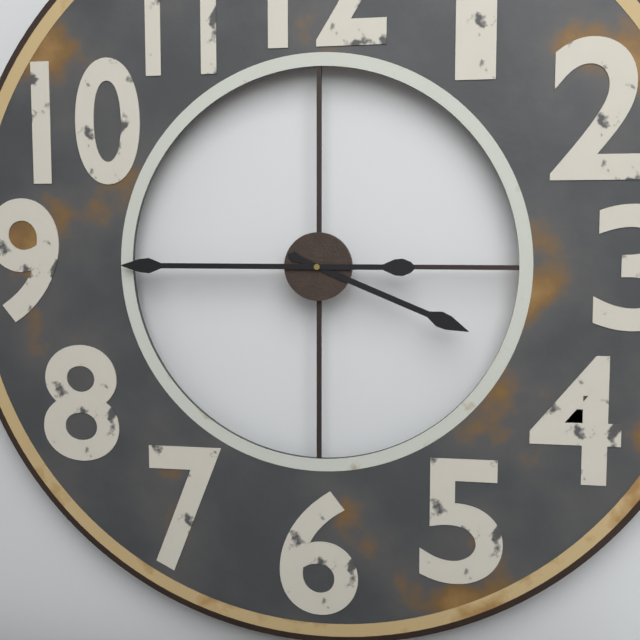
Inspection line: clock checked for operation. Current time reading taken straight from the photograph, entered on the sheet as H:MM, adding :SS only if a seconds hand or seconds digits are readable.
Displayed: 3:45
